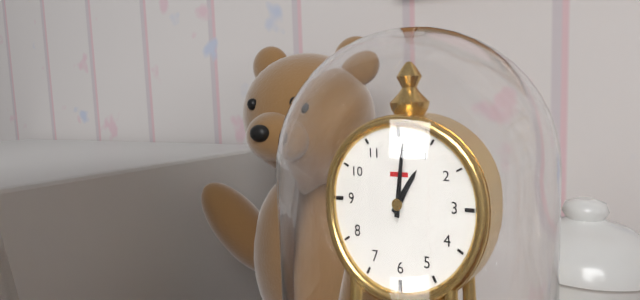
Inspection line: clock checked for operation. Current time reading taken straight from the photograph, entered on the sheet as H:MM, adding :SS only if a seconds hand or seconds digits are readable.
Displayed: 1:01
